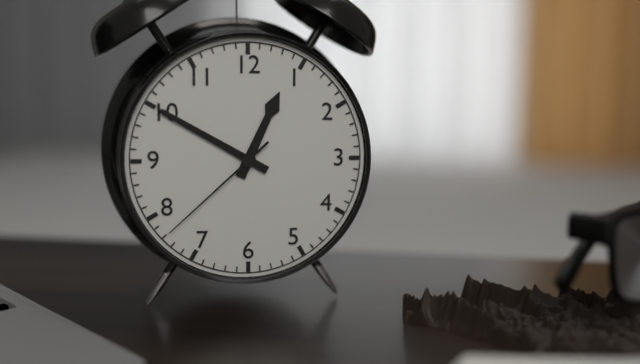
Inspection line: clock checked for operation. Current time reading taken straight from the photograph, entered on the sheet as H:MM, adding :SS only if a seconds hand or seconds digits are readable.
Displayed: 12:50:38
